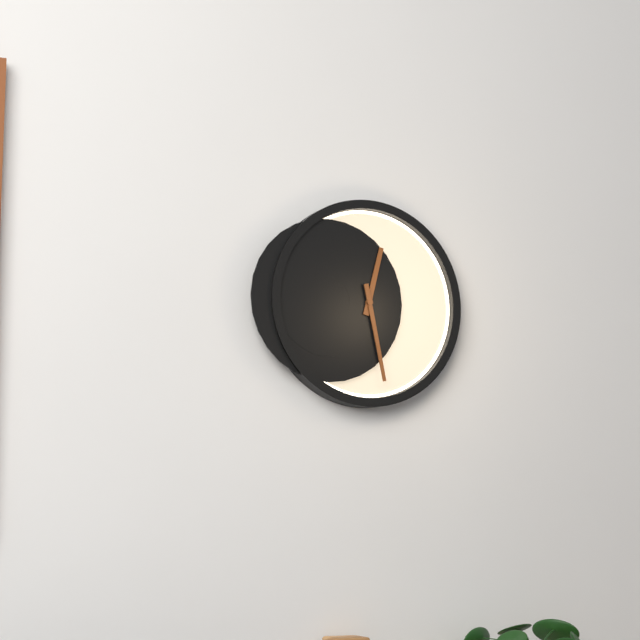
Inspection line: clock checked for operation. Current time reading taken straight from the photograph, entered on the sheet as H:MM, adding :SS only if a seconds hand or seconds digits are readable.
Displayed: 12:28
